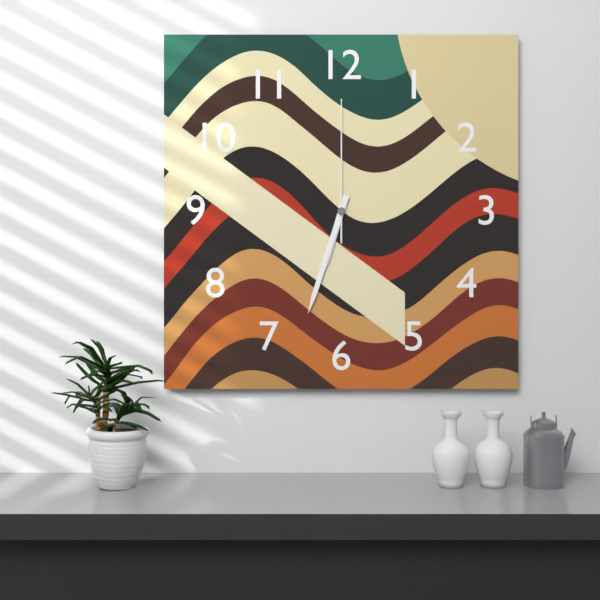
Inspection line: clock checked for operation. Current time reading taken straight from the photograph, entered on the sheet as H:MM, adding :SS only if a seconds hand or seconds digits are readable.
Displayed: 6:33:00
